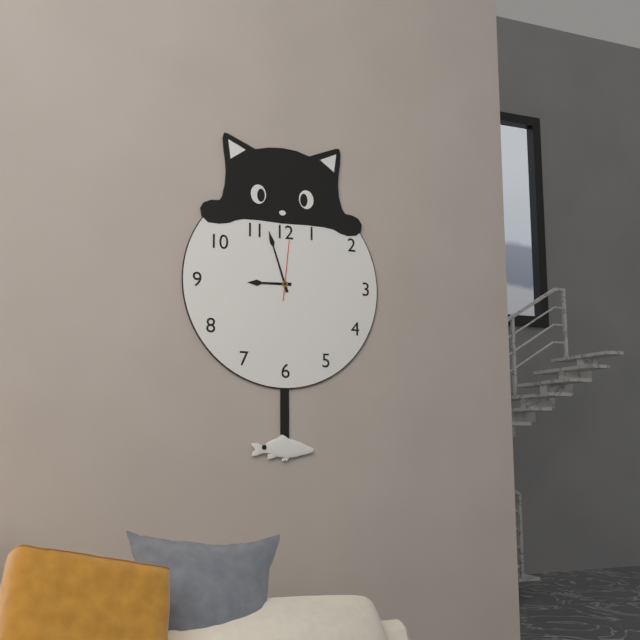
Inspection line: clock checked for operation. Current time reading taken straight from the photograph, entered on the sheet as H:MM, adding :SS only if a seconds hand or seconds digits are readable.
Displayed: 8:57:01
